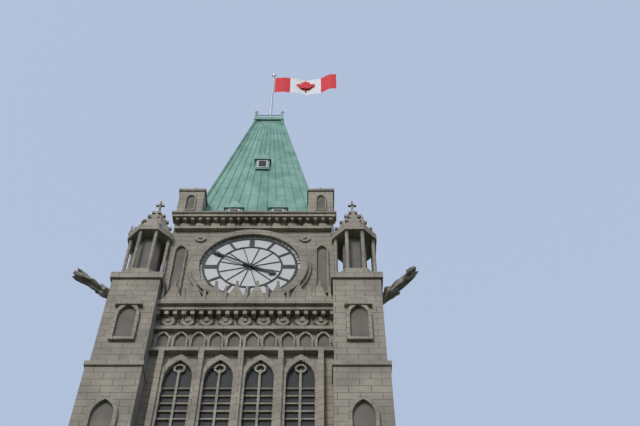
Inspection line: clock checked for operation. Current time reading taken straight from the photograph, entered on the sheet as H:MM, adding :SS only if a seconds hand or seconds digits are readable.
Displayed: 3:50
